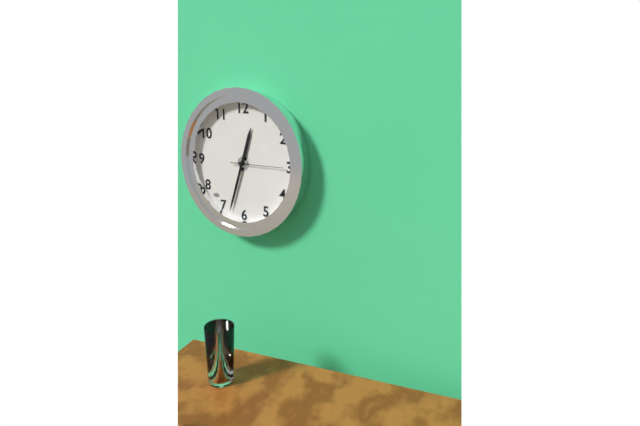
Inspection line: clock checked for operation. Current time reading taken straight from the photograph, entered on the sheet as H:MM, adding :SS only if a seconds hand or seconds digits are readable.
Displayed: 12:33:15
